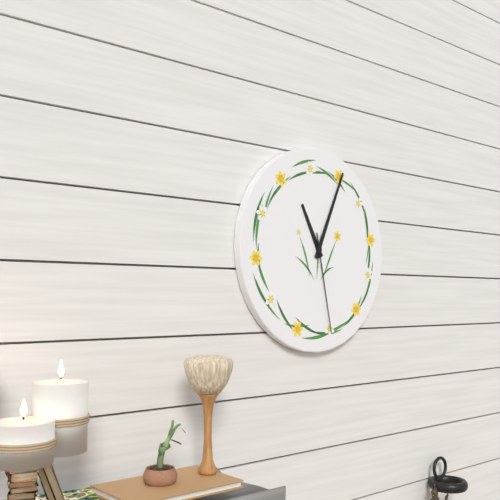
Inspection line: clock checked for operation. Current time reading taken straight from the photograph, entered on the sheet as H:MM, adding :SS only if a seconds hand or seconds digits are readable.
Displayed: 11:04:28
